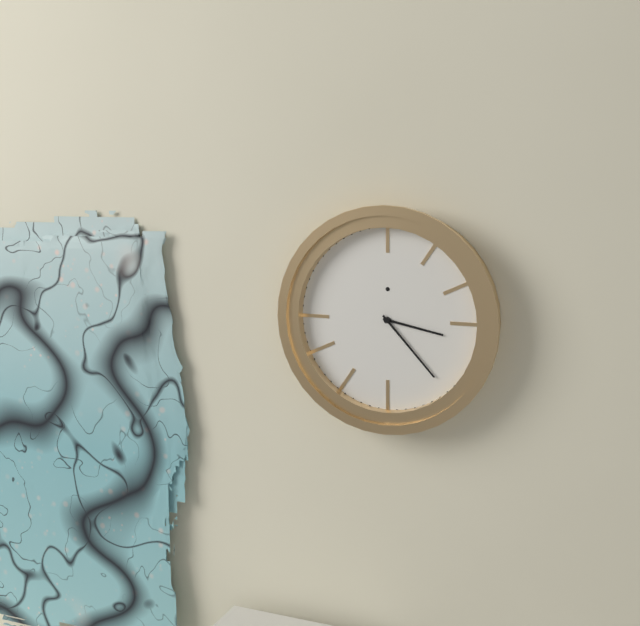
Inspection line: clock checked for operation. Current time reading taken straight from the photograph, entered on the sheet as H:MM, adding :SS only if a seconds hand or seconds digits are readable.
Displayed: 3:23
